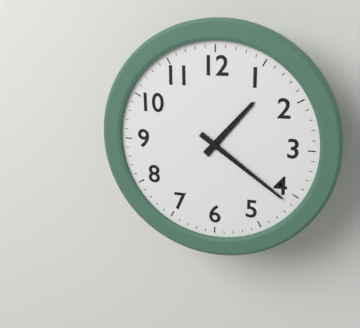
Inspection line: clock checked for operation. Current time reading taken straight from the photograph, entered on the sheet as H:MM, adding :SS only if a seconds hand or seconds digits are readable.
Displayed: 1:21
